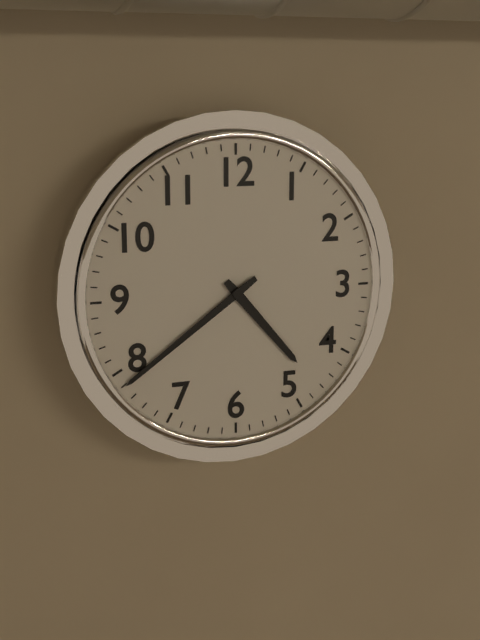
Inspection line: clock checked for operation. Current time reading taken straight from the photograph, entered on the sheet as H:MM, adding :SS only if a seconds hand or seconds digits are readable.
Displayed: 4:39
